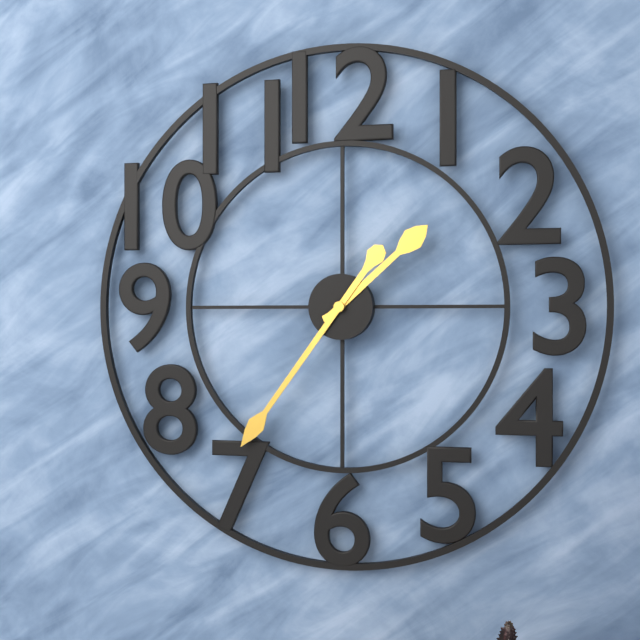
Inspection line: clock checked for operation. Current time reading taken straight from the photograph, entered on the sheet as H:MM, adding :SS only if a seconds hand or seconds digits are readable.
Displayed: 1:36
